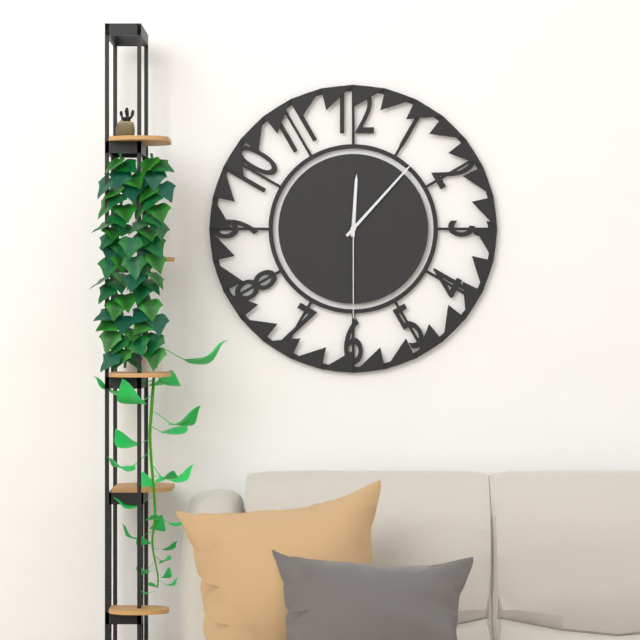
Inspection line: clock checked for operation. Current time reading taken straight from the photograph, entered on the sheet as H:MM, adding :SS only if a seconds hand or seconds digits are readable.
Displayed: 12:07:30
